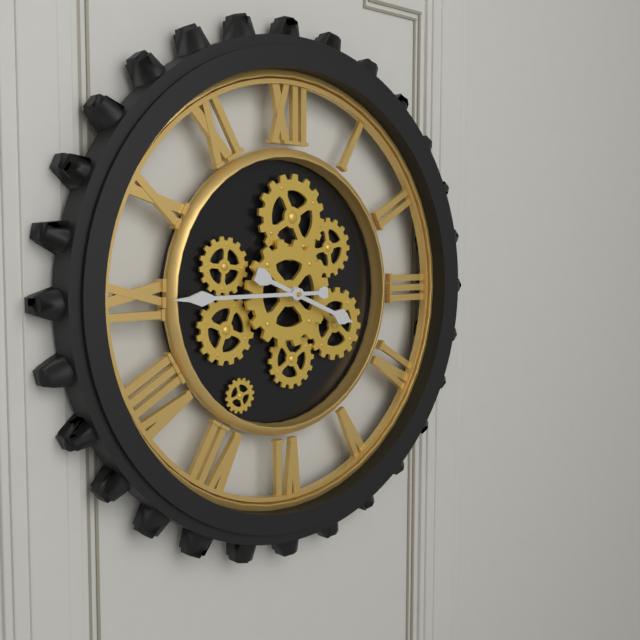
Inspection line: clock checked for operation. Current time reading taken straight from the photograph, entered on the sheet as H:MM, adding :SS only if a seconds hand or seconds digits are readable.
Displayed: 3:45
